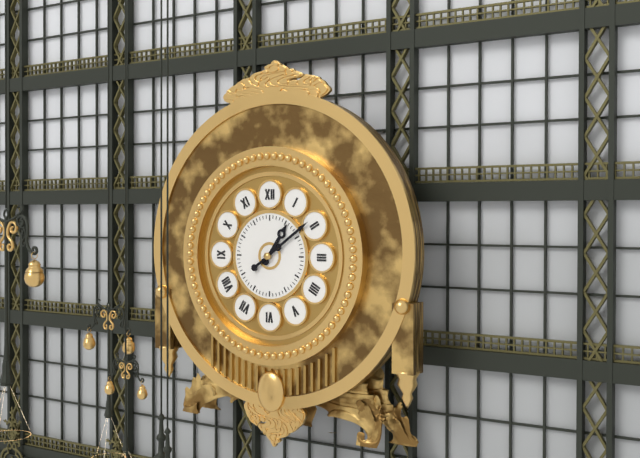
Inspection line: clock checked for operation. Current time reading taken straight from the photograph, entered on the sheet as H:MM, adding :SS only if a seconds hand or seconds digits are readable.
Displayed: 1:09
